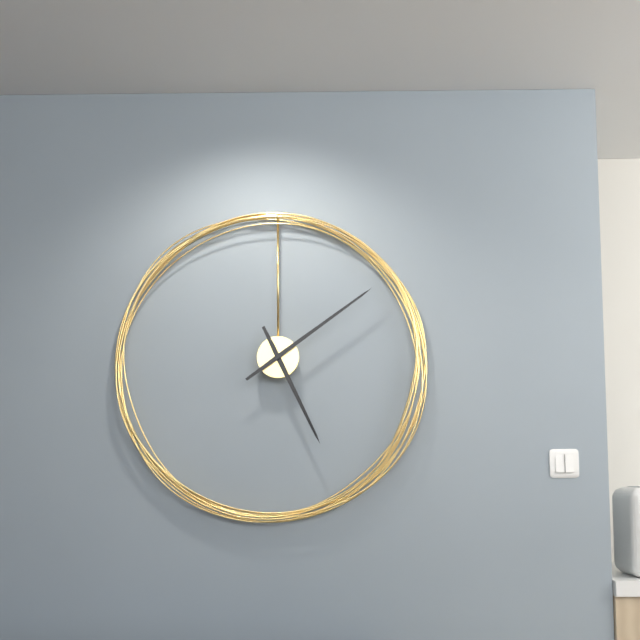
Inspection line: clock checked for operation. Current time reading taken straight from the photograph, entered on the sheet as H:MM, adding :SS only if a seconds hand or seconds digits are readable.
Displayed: 5:09
